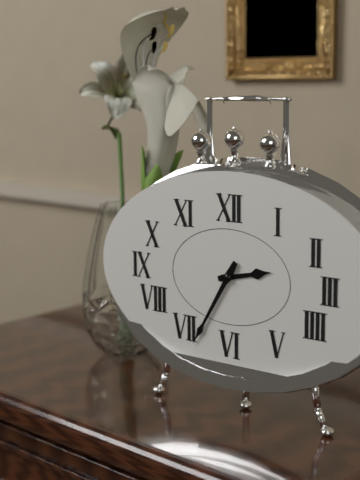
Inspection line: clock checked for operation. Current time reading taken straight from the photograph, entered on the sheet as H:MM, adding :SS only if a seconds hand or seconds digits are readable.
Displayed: 2:35
